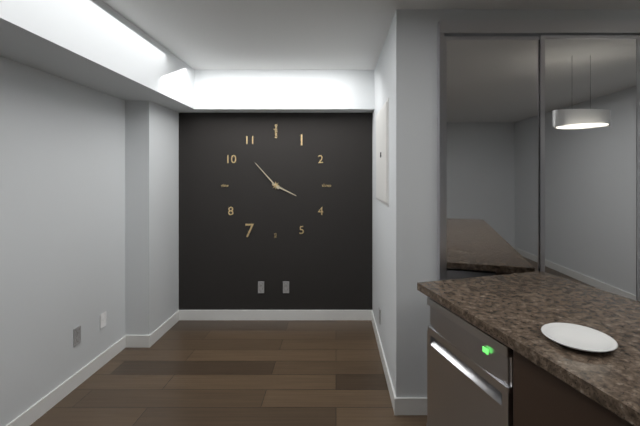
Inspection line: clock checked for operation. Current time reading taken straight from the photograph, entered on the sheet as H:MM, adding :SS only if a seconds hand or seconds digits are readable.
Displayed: 3:53
